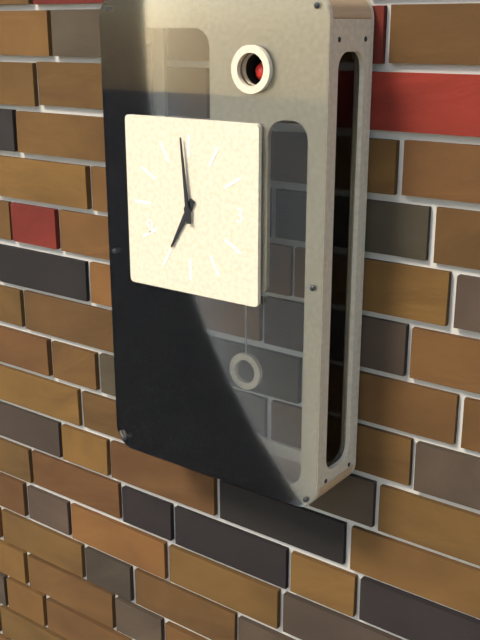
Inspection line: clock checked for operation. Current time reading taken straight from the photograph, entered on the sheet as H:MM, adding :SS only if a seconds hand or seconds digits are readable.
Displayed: 6:59
